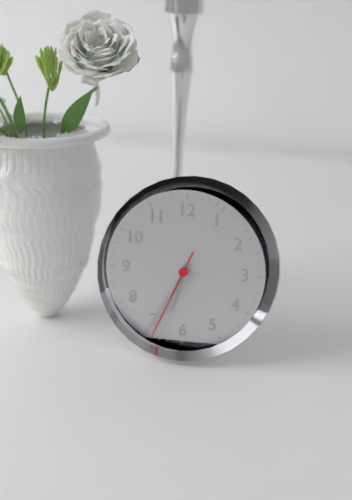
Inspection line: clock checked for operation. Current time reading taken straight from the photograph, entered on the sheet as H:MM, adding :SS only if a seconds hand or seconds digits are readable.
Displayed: 6:35:34
